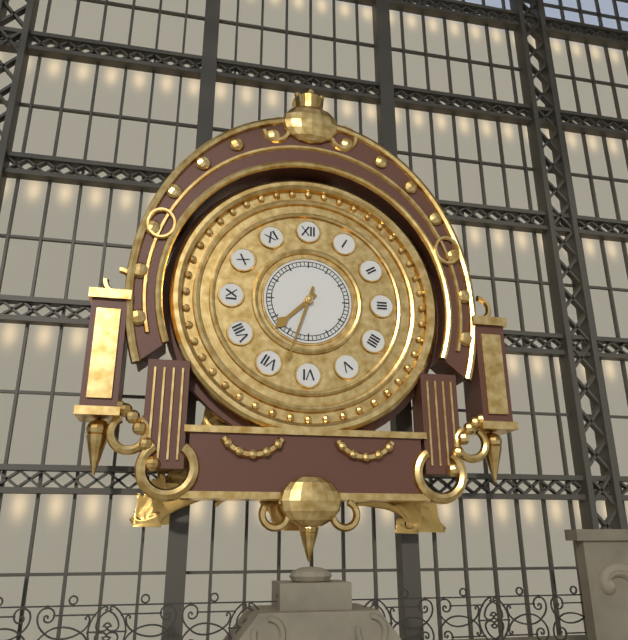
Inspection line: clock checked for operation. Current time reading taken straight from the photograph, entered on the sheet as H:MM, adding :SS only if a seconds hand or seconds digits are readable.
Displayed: 7:33
